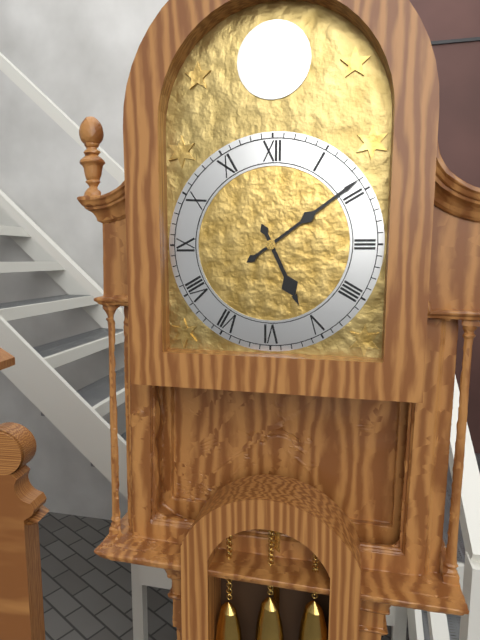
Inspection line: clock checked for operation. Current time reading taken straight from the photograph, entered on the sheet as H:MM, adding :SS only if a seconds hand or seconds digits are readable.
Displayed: 5:09
